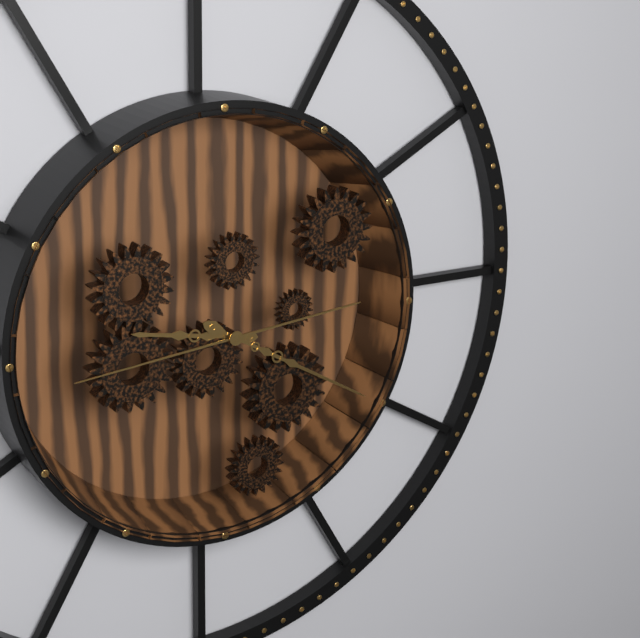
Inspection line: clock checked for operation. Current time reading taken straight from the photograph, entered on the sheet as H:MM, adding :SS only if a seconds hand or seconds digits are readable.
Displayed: 9:20:44
